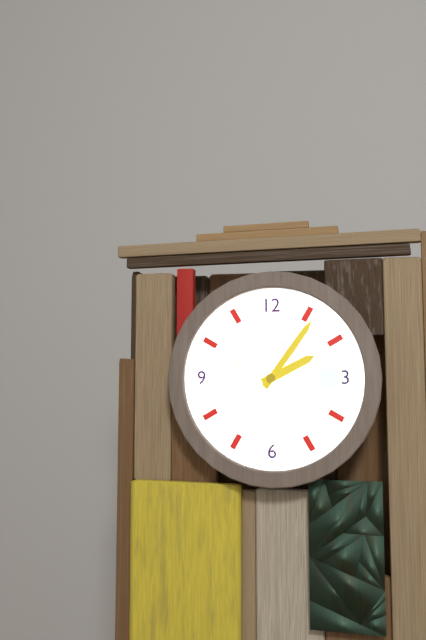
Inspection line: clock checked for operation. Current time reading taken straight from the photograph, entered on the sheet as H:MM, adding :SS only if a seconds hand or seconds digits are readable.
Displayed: 2:06
